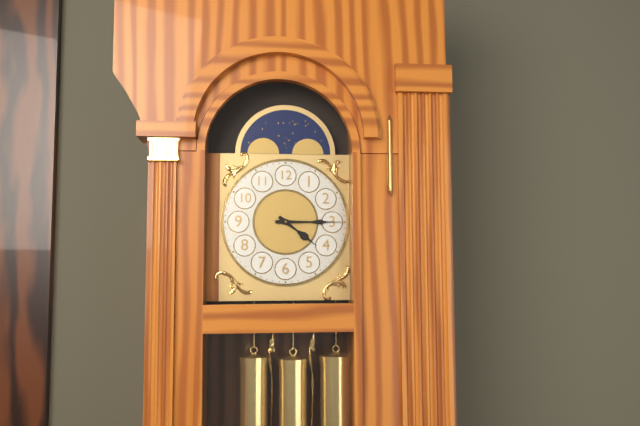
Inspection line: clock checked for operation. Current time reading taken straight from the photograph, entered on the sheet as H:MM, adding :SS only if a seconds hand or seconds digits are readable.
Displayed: 4:15
